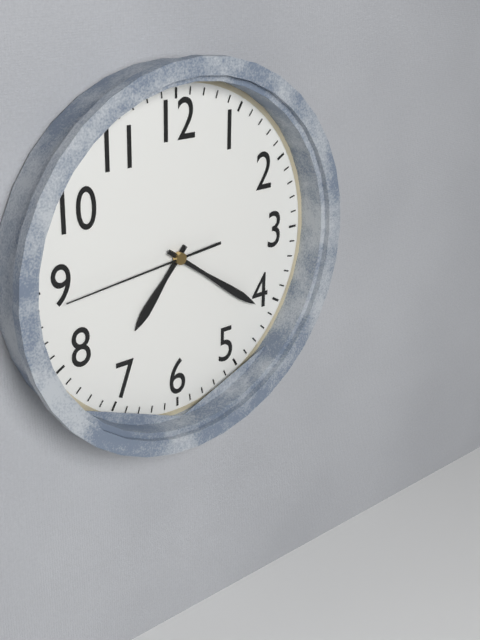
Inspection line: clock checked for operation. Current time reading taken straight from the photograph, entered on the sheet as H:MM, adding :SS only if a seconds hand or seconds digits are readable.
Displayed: 7:21:44
